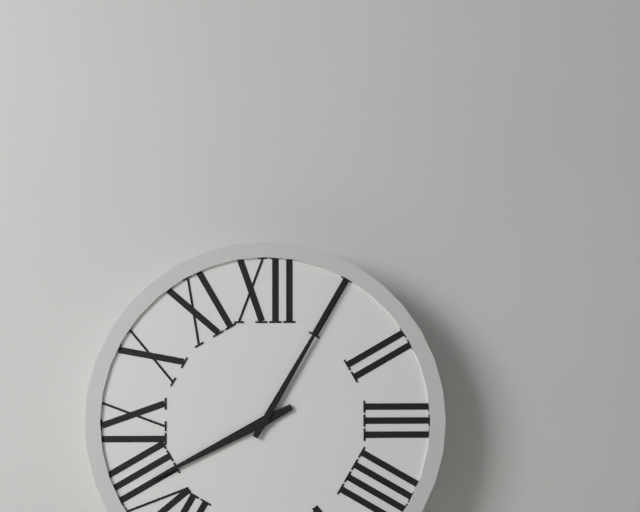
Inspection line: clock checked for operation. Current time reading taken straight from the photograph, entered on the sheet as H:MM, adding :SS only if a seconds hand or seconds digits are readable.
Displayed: 8:05
